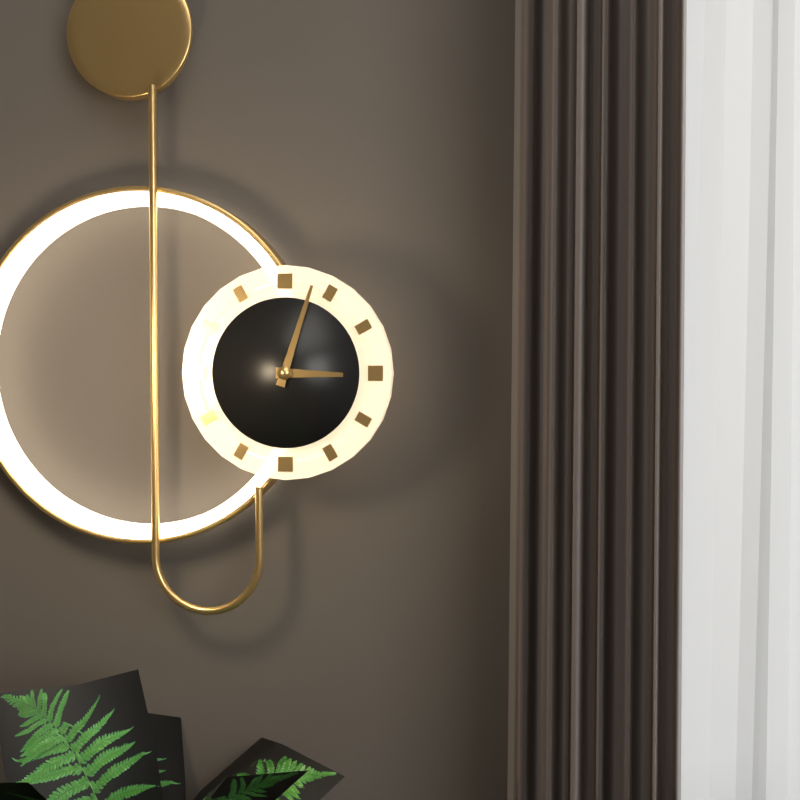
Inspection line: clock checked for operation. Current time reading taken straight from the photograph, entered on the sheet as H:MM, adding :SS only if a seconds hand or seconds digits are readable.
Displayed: 3:03
